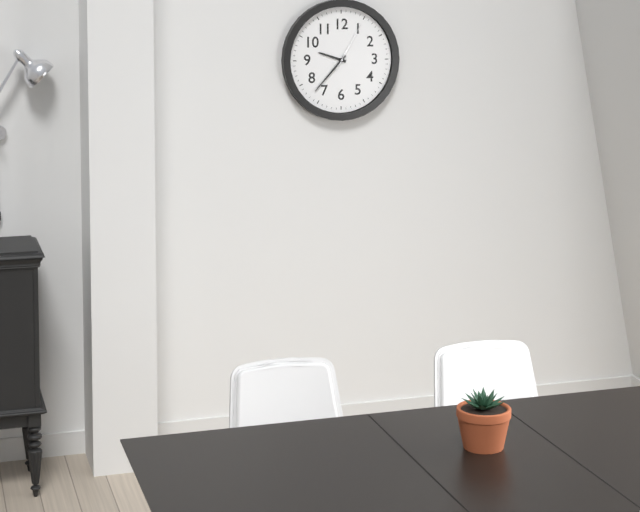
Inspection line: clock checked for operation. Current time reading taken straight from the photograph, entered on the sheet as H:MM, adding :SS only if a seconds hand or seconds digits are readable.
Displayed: 9:37:05
